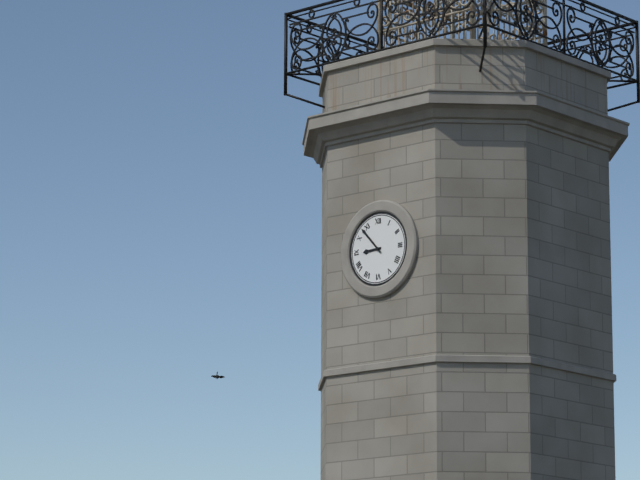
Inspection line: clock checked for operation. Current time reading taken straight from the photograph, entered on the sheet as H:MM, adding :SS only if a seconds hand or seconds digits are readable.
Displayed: 8:53
